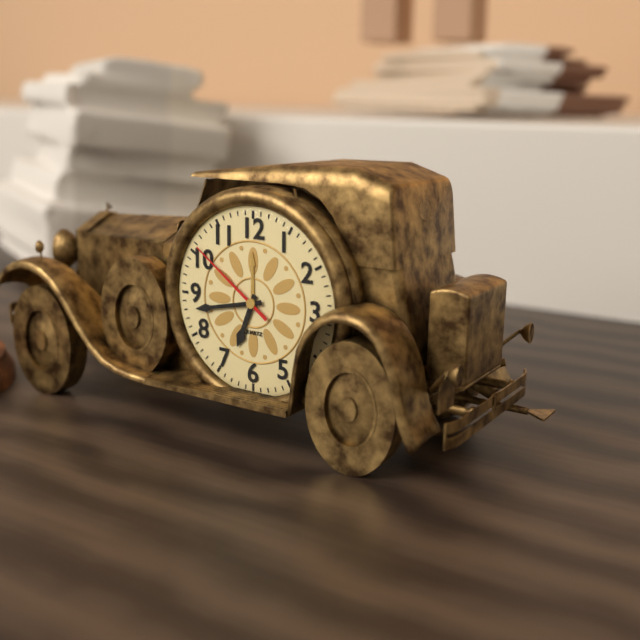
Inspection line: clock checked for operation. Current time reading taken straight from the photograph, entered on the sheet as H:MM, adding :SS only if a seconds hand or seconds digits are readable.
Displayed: 6:43:51
